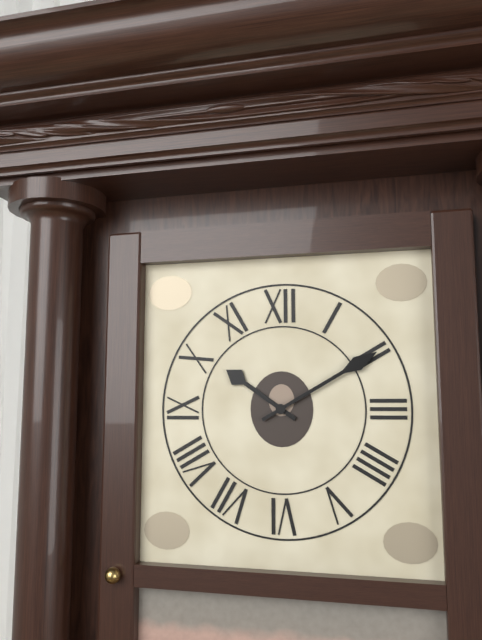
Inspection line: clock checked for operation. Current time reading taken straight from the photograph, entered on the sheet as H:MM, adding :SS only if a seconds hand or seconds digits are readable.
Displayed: 10:10
